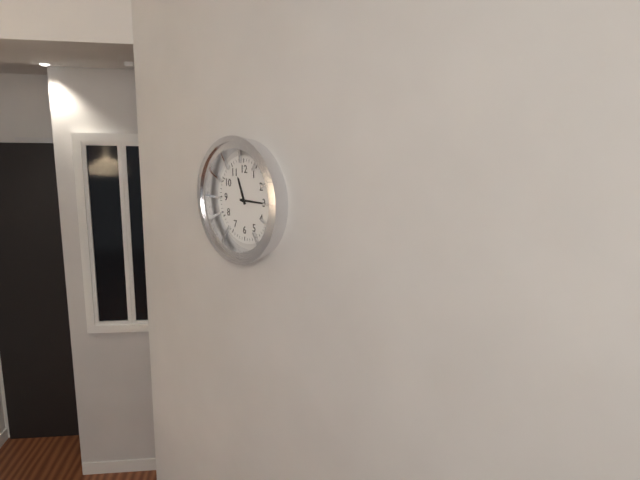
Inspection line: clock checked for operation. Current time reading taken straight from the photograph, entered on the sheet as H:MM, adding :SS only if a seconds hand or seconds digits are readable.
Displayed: 11:15
